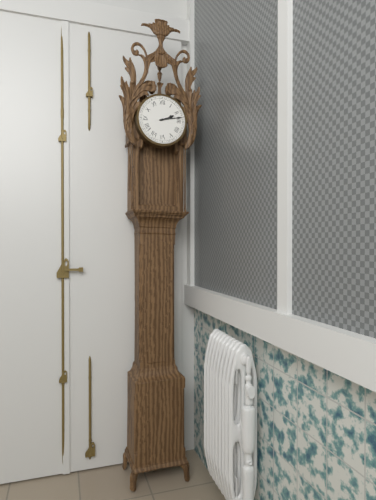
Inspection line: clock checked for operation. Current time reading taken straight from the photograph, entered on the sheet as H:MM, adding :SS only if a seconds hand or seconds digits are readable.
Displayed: 2:13
